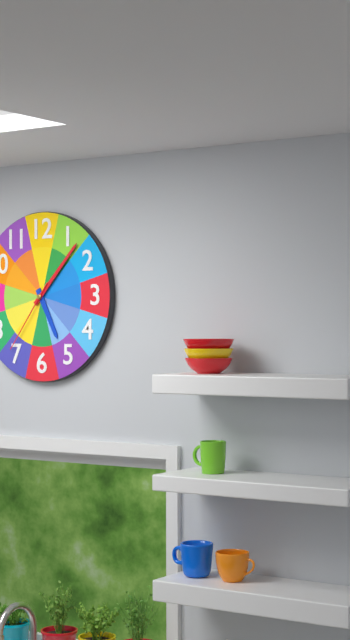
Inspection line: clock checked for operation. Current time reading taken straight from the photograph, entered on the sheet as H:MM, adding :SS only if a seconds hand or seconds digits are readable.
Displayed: 5:07:36
